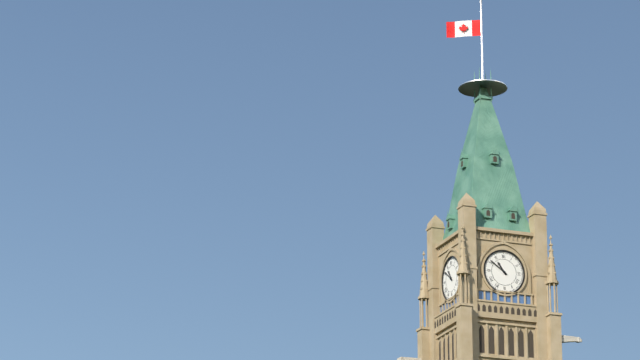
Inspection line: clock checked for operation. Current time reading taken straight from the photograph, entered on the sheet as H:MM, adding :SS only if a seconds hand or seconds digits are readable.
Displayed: 10:51
